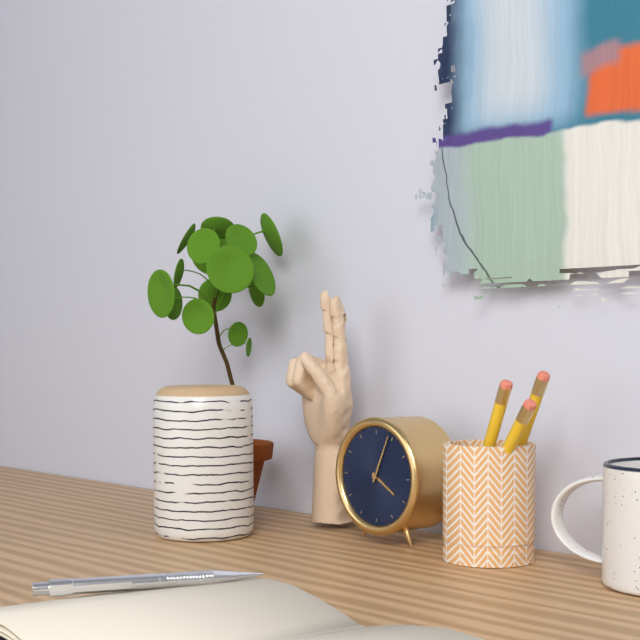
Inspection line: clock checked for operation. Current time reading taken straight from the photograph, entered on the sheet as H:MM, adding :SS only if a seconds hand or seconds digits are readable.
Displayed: 4:04
